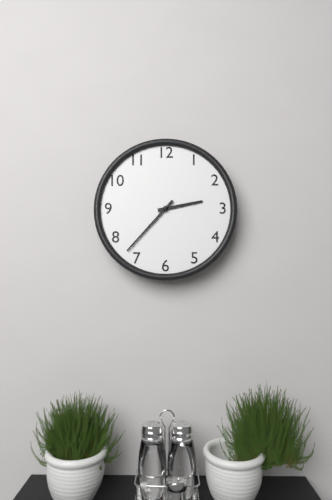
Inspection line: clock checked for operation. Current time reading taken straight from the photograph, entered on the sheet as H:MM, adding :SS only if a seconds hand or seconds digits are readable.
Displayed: 2:37
